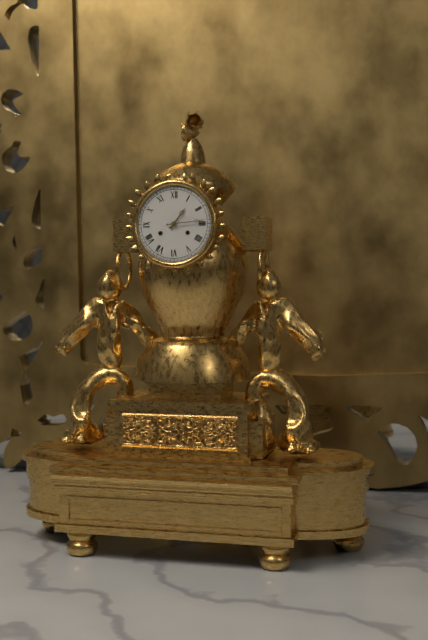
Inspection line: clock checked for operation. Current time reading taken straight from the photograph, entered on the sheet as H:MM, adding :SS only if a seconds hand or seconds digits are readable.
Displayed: 1:14
